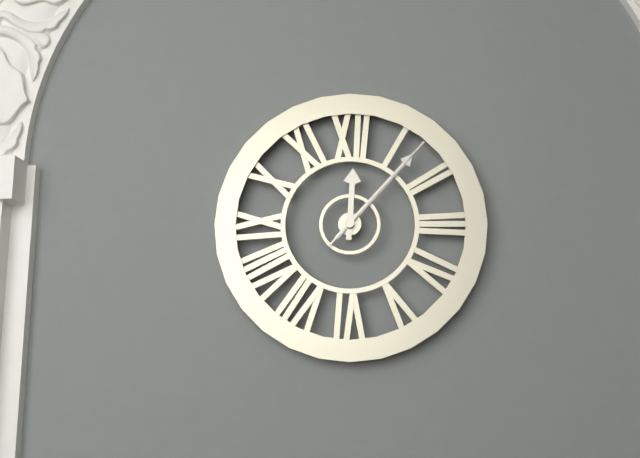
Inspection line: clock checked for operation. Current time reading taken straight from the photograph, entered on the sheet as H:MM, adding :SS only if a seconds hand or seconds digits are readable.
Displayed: 12:07:07
